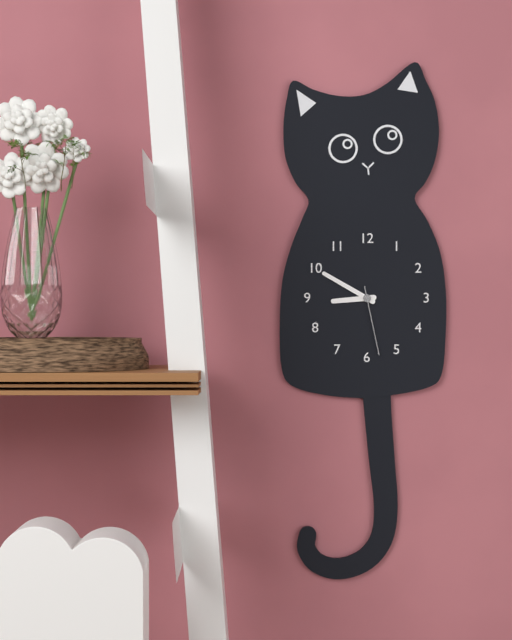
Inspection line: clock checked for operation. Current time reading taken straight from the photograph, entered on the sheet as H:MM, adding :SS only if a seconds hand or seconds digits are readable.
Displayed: 8:50:28
